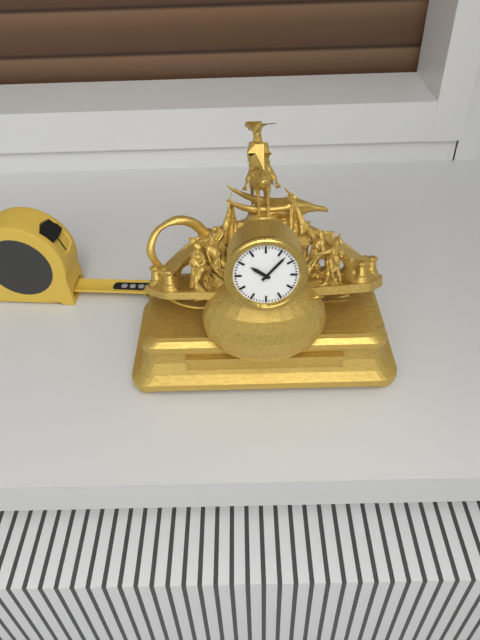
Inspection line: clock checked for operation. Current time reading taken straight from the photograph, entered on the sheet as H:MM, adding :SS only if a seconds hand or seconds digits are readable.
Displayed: 10:07
